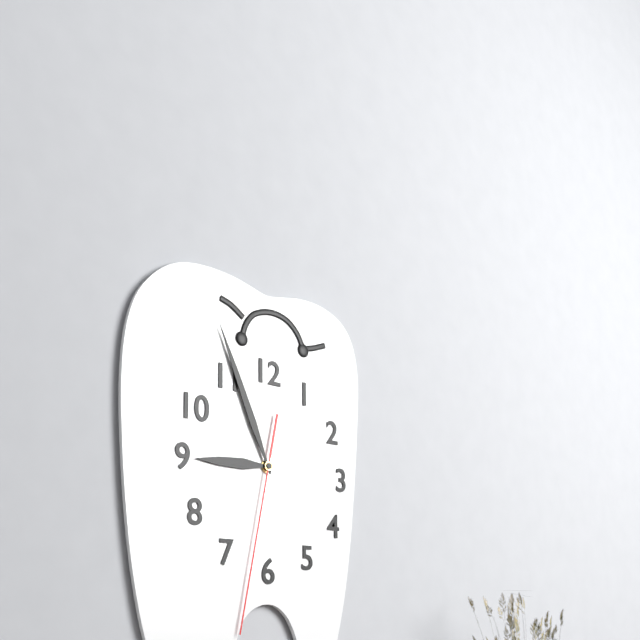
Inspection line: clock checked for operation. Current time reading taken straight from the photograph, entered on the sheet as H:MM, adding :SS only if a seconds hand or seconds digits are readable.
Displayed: 8:56:32
